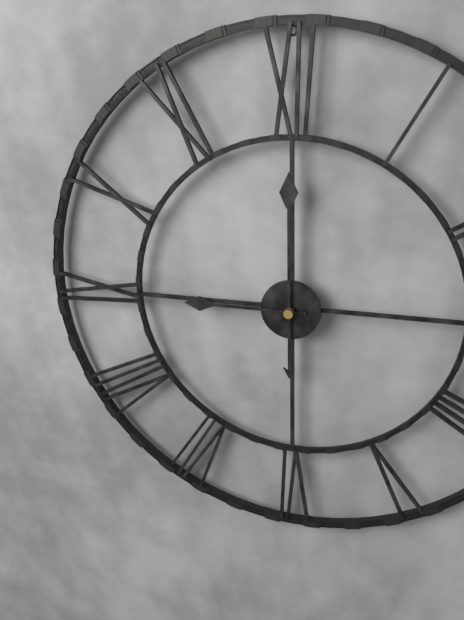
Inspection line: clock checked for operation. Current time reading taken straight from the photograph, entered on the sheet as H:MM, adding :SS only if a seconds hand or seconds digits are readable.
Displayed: 9:00
